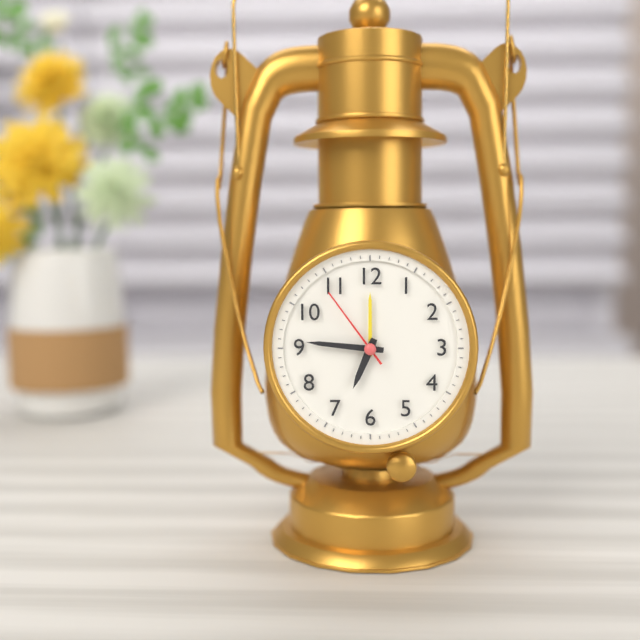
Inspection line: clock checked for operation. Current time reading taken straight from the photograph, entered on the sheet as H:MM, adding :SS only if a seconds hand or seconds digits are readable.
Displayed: 6:46:54
